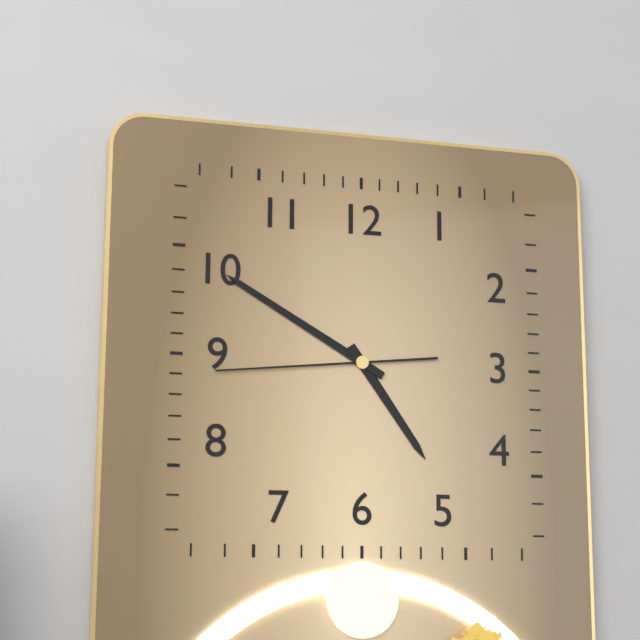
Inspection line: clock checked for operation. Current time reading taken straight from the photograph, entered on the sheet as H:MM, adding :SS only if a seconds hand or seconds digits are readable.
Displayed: 4:50:44
